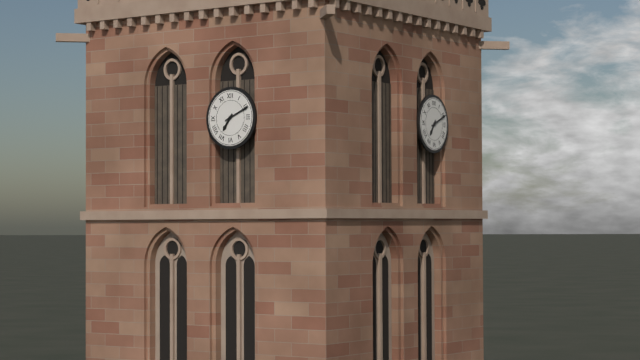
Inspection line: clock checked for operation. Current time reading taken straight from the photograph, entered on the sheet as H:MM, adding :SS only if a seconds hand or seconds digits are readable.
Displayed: 7:11
